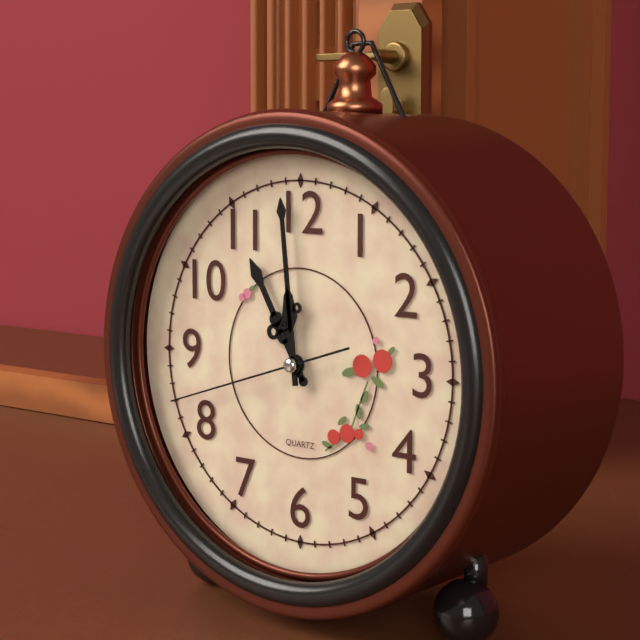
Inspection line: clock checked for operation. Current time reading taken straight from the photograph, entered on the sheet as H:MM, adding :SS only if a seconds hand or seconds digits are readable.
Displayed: 10:59:42
